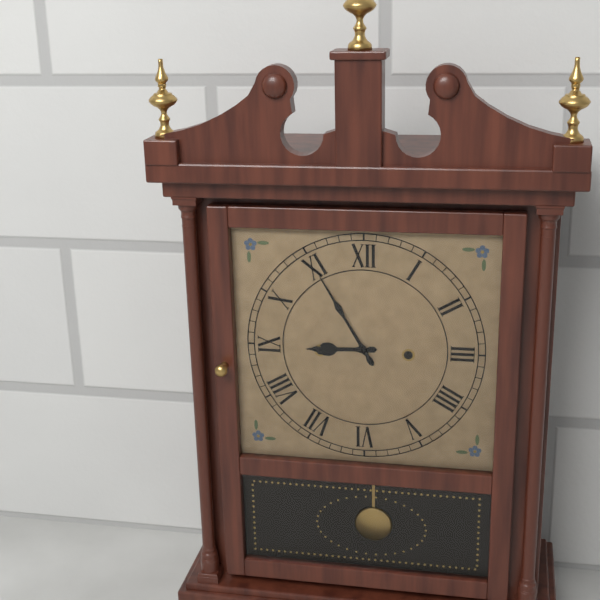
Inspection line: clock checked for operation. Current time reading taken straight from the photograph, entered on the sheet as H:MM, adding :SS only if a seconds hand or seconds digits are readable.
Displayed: 8:55
